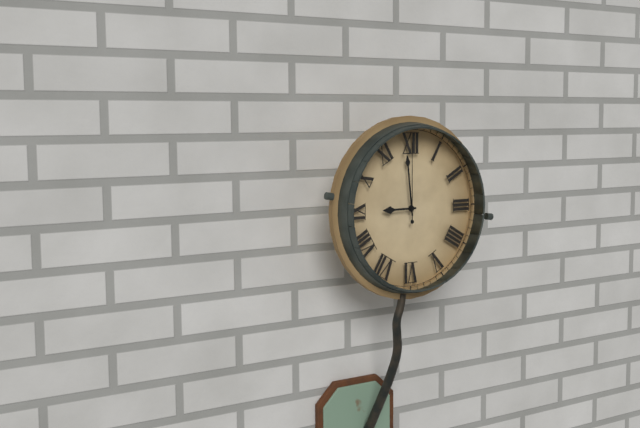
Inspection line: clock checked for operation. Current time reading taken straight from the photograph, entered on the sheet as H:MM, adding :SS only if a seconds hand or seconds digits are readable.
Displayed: 8:59:00
